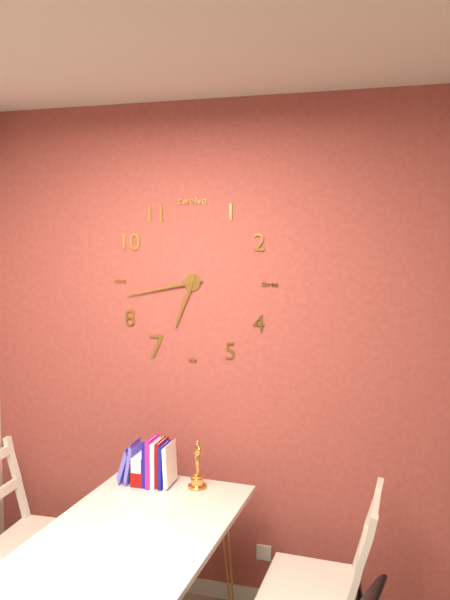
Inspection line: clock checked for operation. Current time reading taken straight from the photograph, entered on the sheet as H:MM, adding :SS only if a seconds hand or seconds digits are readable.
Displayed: 6:43
